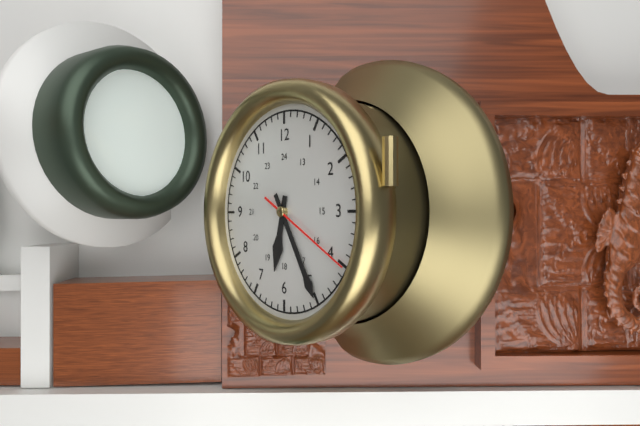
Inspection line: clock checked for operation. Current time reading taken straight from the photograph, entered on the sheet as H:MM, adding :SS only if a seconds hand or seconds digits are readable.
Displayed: 6:25:20
